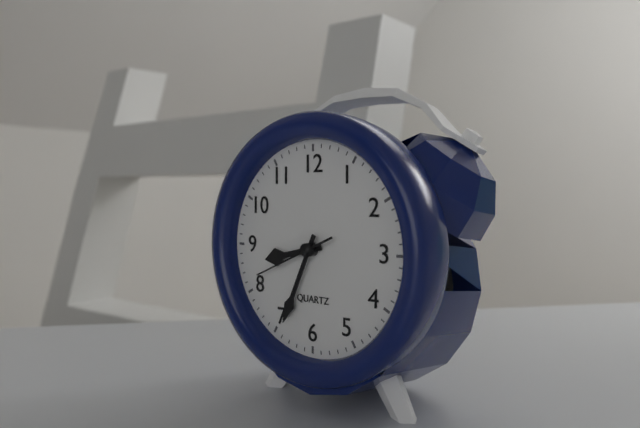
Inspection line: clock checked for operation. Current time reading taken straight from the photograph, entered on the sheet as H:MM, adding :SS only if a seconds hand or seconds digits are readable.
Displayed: 8:34:41
